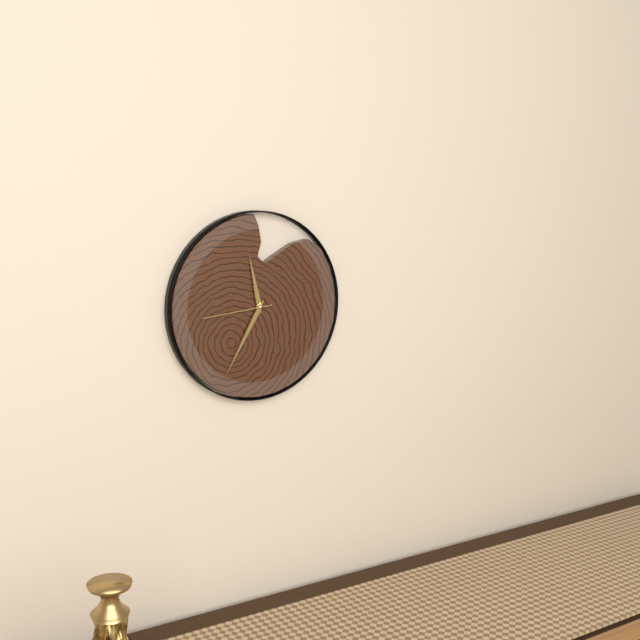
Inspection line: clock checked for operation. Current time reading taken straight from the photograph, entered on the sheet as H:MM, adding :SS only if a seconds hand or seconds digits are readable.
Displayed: 11:35:44
